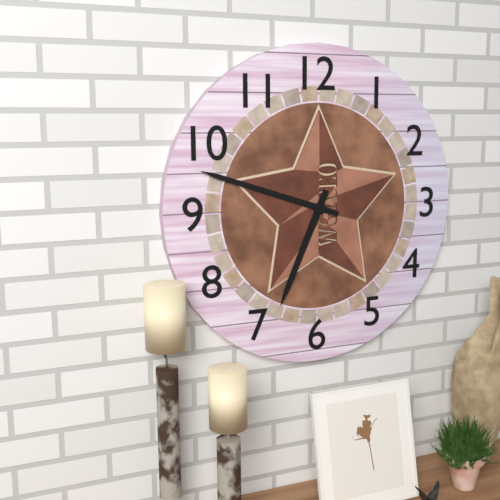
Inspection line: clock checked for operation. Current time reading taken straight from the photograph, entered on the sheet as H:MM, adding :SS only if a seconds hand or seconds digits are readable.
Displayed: 6:48
